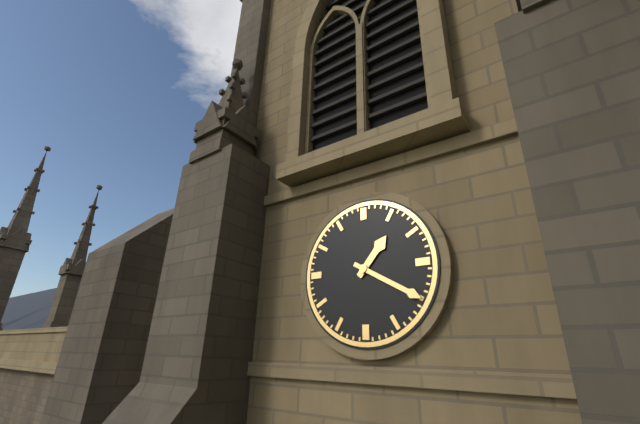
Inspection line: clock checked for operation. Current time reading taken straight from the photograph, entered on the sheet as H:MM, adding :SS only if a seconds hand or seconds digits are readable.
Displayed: 1:20
